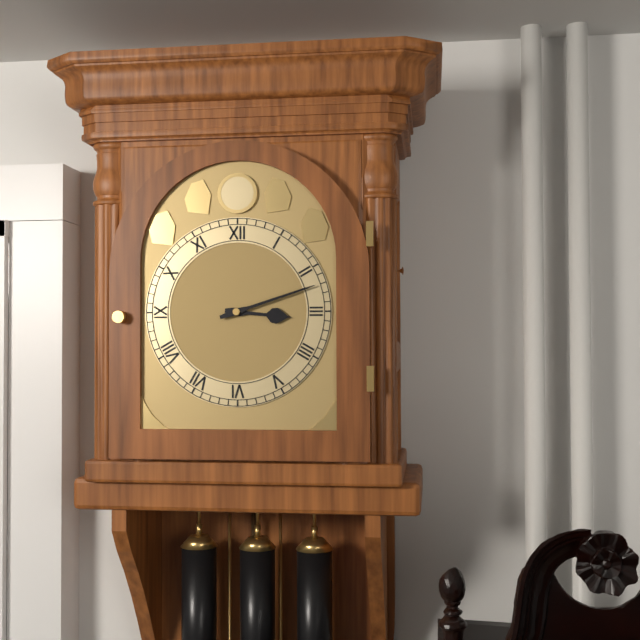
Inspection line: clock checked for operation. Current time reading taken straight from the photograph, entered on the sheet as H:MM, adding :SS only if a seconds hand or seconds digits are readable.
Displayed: 3:12
